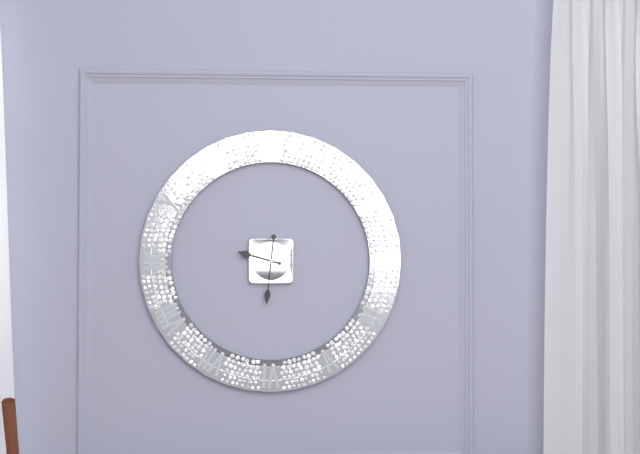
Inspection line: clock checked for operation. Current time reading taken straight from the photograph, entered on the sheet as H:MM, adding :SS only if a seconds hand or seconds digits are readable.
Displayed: 9:31
